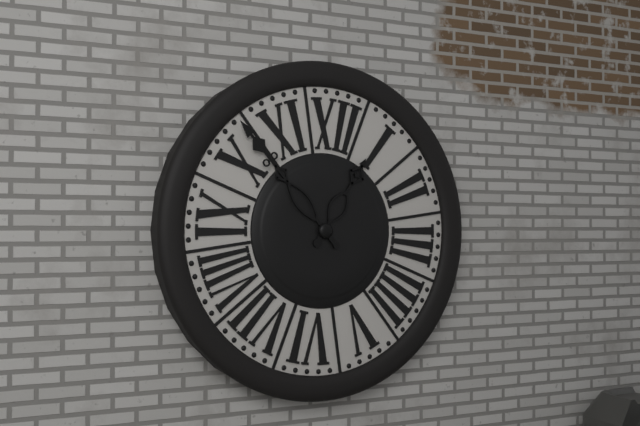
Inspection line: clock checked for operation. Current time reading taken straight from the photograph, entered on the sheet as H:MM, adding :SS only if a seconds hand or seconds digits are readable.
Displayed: 12:52
